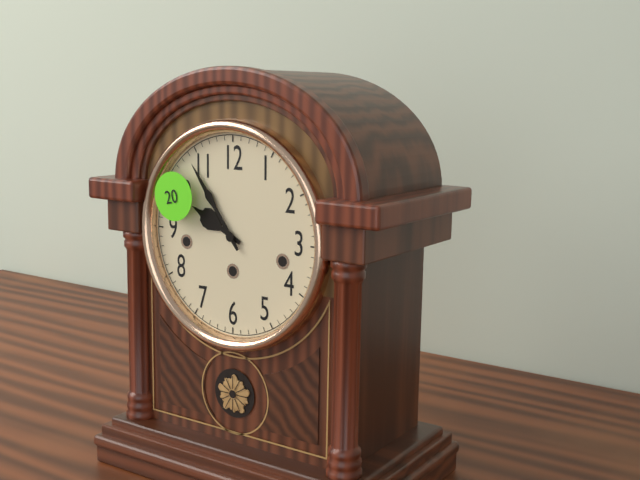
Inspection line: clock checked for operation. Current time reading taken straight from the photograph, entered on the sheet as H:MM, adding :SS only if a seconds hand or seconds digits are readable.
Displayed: 9:54
